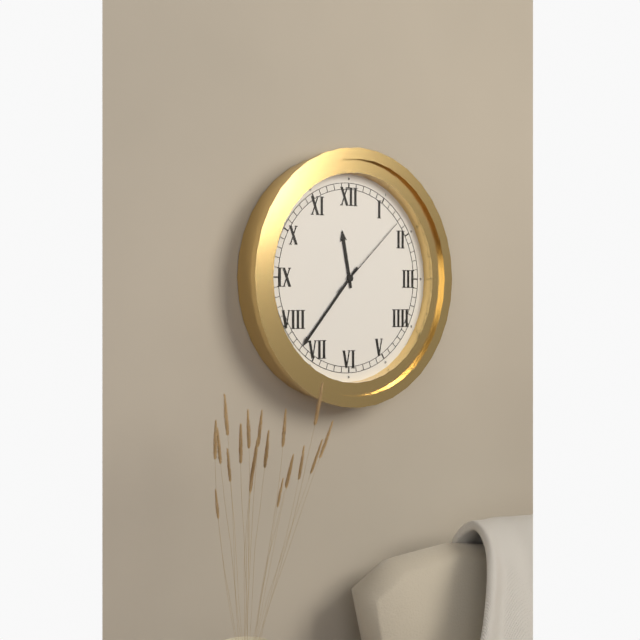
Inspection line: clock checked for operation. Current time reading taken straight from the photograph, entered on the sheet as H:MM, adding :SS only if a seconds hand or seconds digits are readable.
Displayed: 11:37:08
